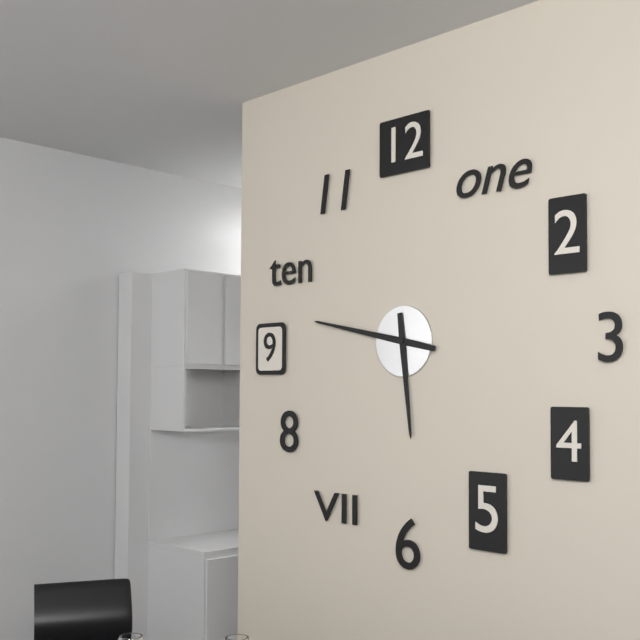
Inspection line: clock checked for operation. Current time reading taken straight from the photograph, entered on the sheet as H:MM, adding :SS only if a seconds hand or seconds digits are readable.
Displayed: 5:47
